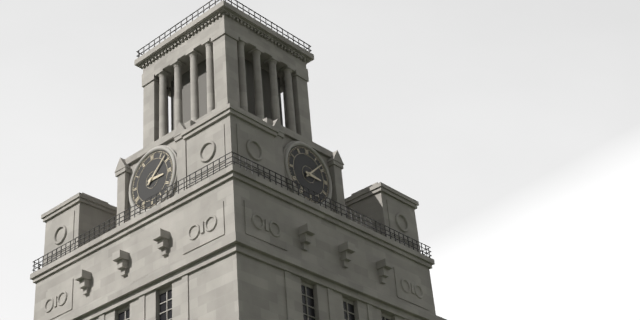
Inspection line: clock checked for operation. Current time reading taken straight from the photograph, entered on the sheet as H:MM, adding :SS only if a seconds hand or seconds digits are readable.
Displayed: 3:08
